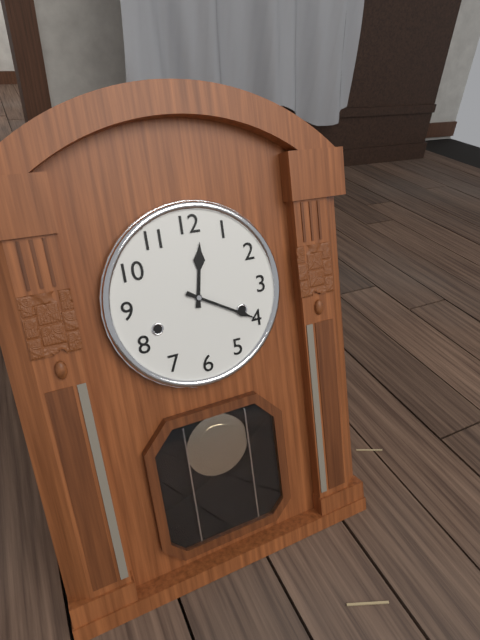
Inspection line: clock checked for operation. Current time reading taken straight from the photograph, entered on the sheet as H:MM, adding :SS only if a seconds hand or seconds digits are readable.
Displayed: 12:20
